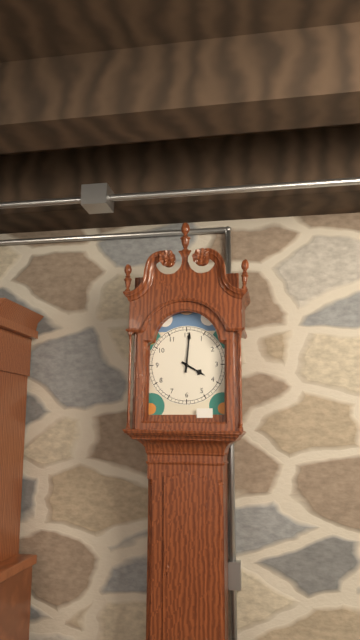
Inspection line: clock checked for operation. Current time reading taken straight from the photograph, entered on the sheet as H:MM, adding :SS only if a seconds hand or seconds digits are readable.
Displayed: 4:01
